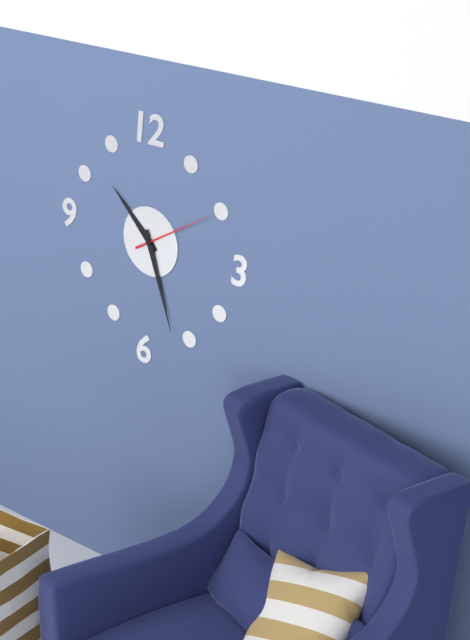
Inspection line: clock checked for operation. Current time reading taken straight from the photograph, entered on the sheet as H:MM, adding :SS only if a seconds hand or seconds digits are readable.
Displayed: 10:27:10
